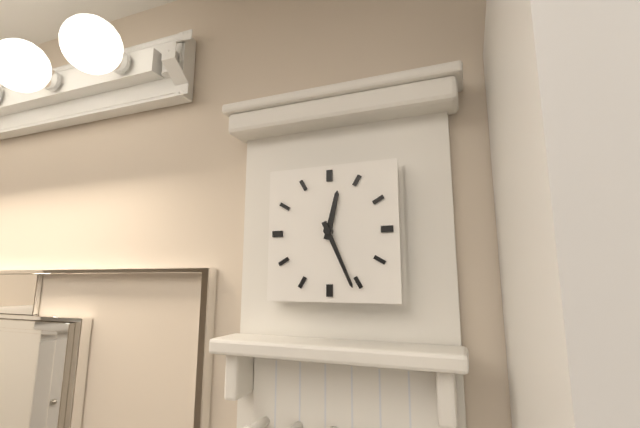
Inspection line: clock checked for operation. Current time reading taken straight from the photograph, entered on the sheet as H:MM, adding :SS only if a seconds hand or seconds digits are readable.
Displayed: 12:26
